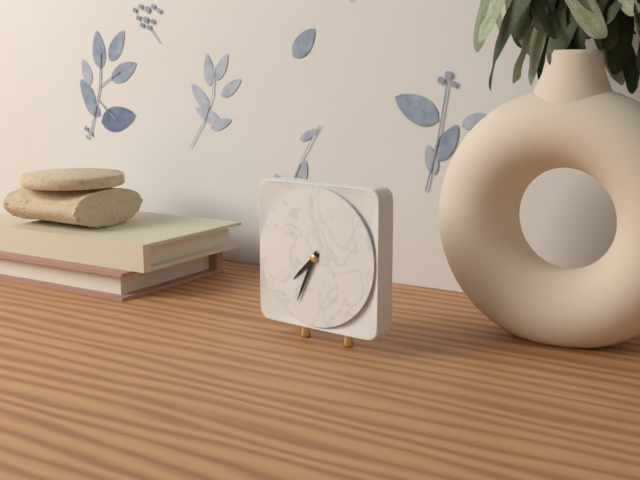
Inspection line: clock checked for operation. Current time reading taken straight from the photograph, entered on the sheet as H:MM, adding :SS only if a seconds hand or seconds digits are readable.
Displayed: 7:34
